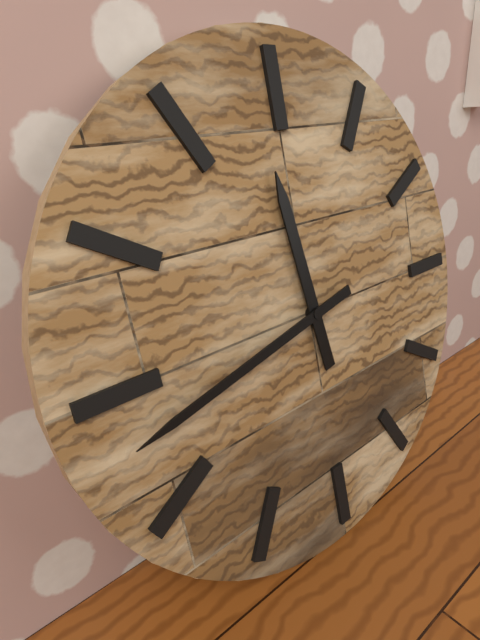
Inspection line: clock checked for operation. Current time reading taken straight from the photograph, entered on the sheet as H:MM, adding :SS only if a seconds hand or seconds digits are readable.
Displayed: 11:43
